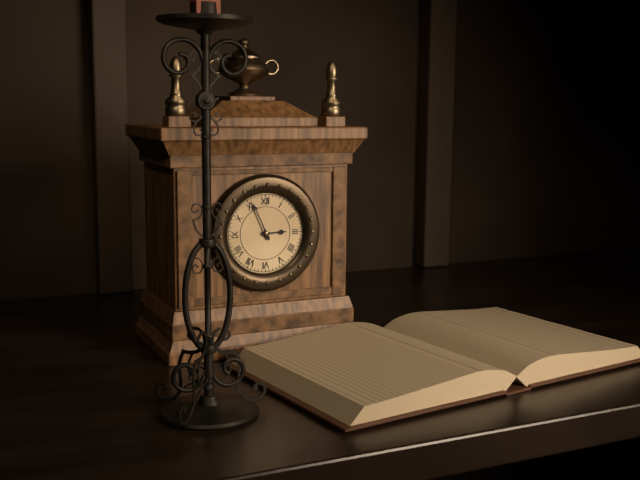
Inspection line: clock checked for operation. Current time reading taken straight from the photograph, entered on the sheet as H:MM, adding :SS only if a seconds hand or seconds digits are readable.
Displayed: 2:56
